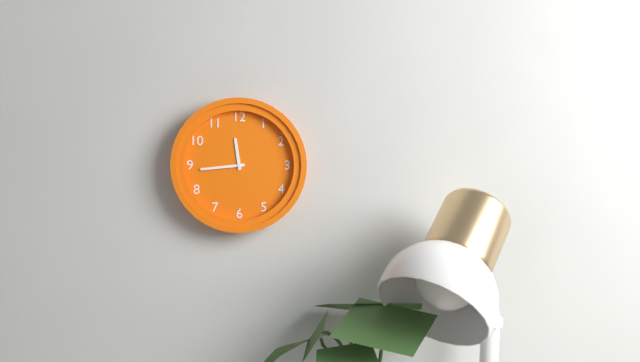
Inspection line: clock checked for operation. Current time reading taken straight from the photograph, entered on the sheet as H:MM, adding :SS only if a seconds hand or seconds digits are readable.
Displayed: 11:44
